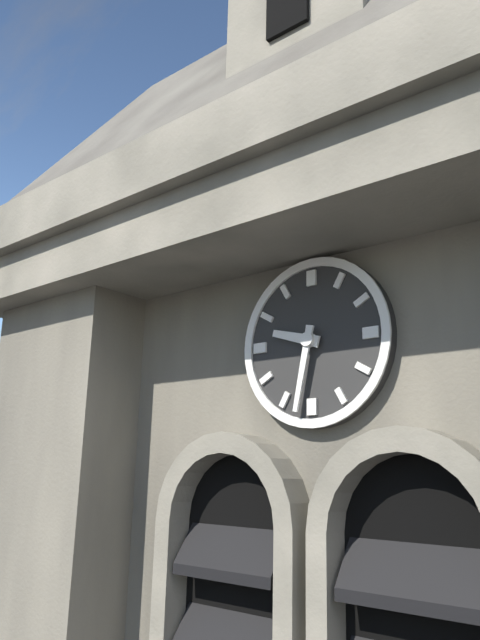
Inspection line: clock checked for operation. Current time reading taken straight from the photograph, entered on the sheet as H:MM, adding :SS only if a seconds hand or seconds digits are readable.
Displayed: 9:32
